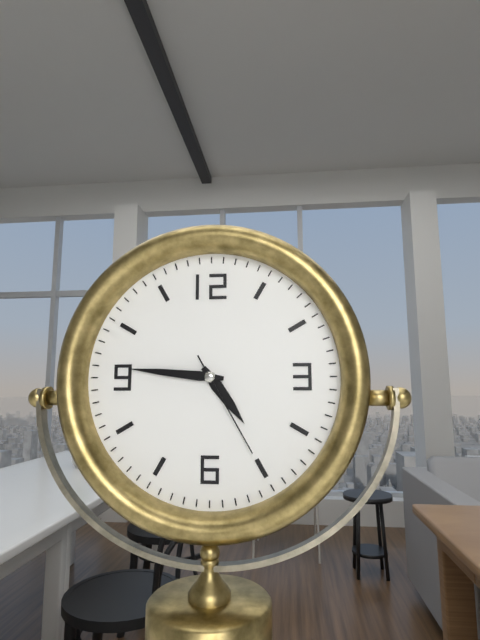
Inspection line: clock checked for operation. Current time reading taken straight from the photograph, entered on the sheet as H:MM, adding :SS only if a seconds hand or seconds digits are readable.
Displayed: 4:46:25
